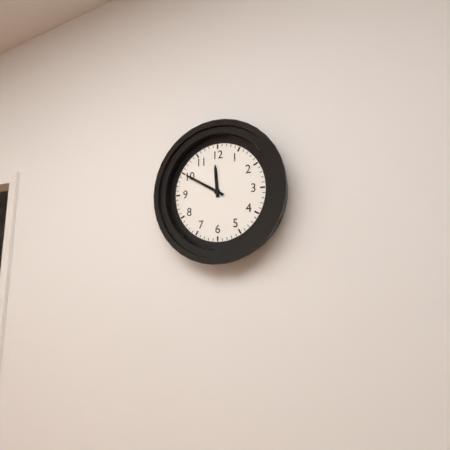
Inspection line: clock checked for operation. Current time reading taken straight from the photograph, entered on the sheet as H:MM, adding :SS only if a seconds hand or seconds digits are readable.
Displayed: 11:50
